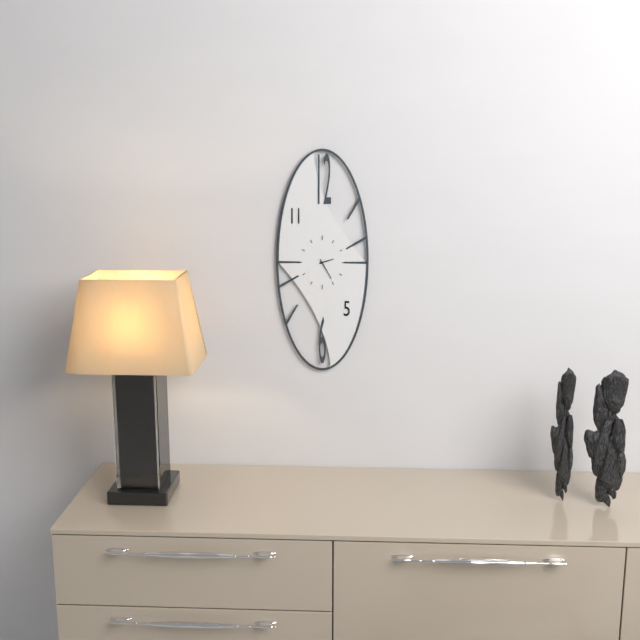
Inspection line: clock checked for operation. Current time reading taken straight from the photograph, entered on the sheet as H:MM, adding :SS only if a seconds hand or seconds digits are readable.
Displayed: 2:25
